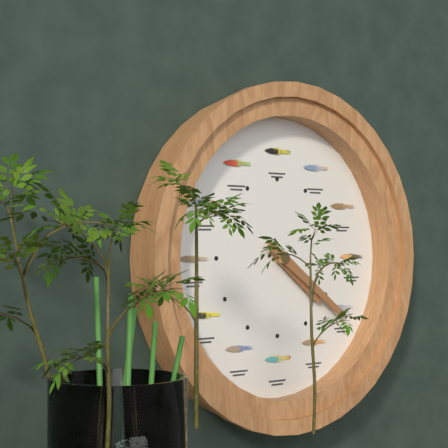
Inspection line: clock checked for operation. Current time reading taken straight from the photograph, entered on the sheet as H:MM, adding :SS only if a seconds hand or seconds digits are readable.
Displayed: 4:21
